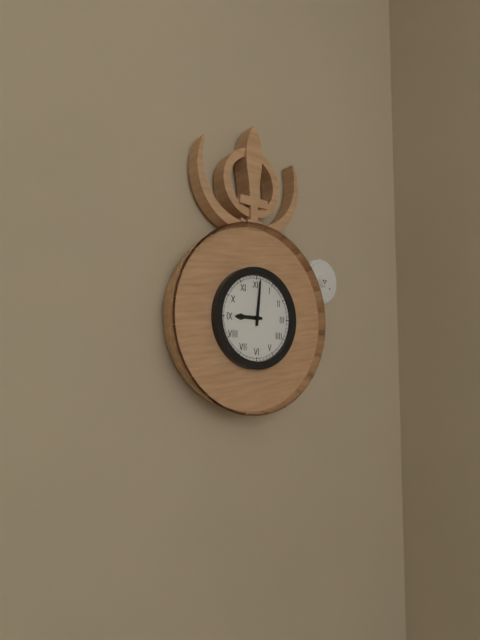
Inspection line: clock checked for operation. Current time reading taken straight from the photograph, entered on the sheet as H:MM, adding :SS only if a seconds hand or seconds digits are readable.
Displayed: 9:01
